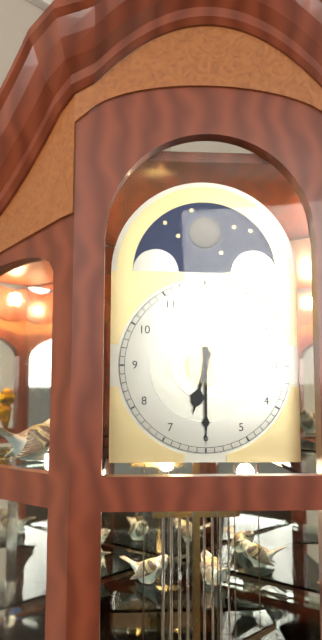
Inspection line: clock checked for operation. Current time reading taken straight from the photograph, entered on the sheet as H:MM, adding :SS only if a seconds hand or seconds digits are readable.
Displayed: 6:30
